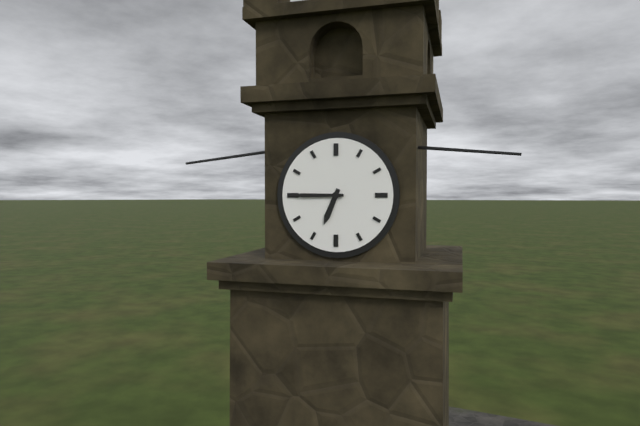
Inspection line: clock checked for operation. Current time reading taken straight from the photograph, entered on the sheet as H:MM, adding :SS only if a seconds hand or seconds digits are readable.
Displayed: 6:45
